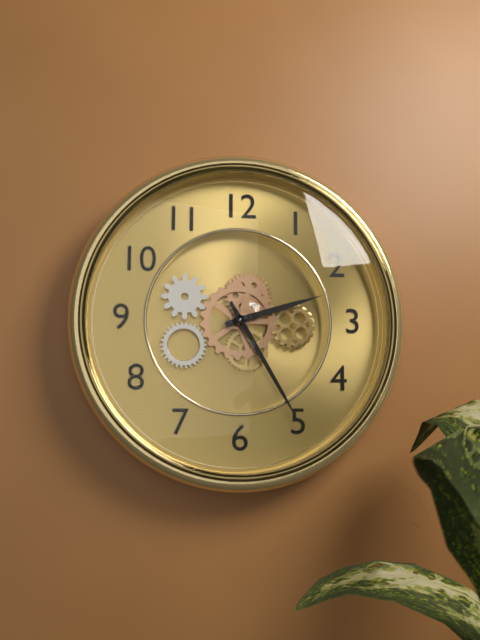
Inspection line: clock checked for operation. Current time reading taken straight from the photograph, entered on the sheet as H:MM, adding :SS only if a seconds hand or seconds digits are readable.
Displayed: 2:25
